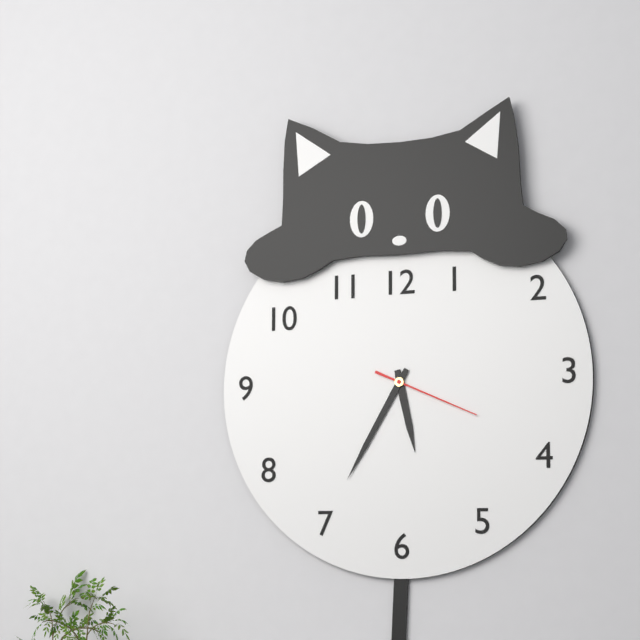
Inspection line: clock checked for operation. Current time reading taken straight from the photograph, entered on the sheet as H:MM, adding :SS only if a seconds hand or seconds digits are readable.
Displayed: 5:35:19
